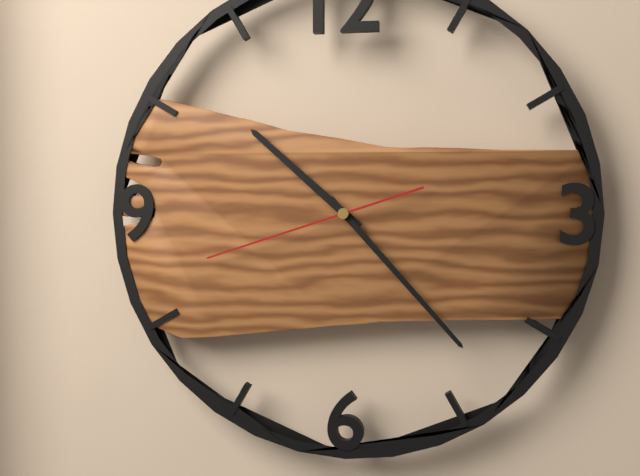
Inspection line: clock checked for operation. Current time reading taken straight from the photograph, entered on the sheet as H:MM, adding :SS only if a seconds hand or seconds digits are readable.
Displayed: 10:23:42
